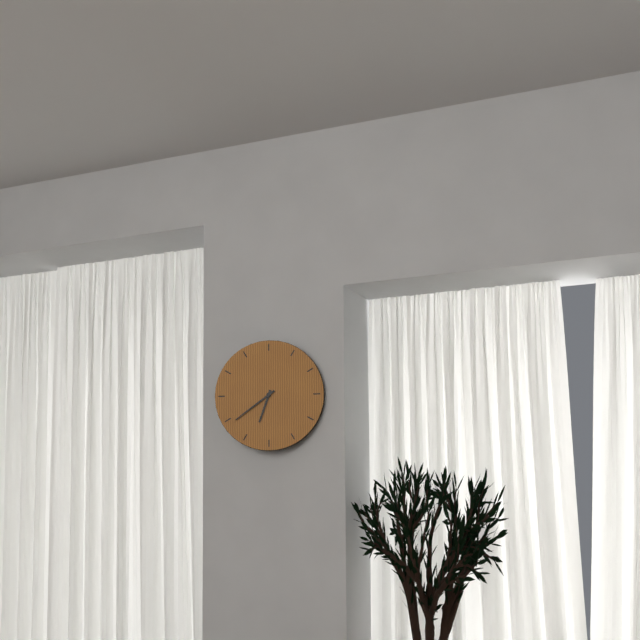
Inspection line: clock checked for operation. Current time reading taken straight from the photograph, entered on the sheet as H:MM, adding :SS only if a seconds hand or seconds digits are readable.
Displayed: 6:39
